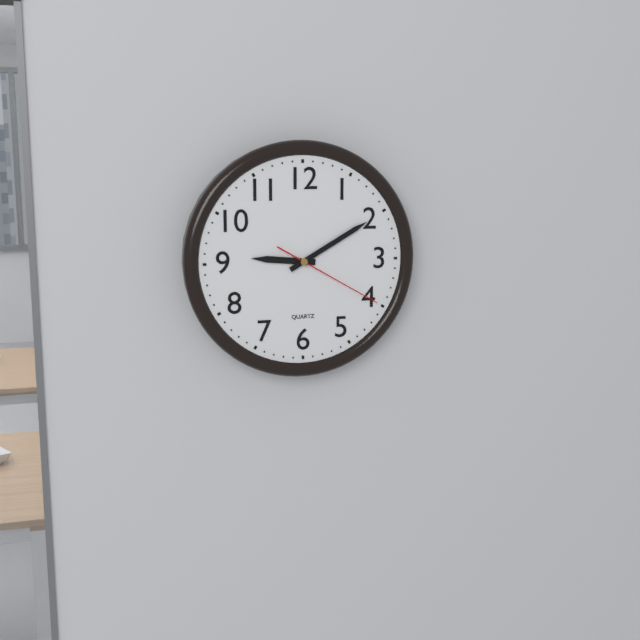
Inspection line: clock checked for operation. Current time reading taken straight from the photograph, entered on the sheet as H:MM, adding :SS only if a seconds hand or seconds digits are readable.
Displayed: 9:10:20
